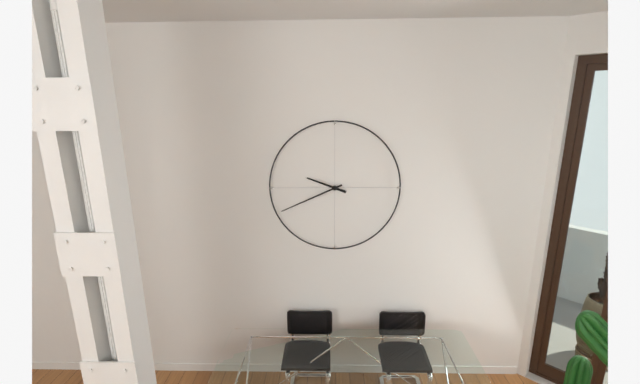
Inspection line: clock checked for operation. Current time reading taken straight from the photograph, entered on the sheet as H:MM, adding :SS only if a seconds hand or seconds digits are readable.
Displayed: 9:41
